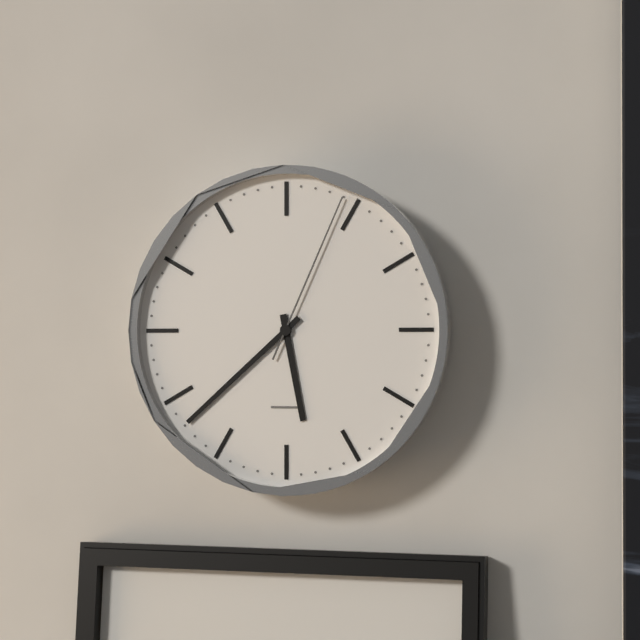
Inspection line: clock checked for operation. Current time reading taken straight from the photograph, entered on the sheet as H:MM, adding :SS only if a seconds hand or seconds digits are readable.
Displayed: 5:38:04
